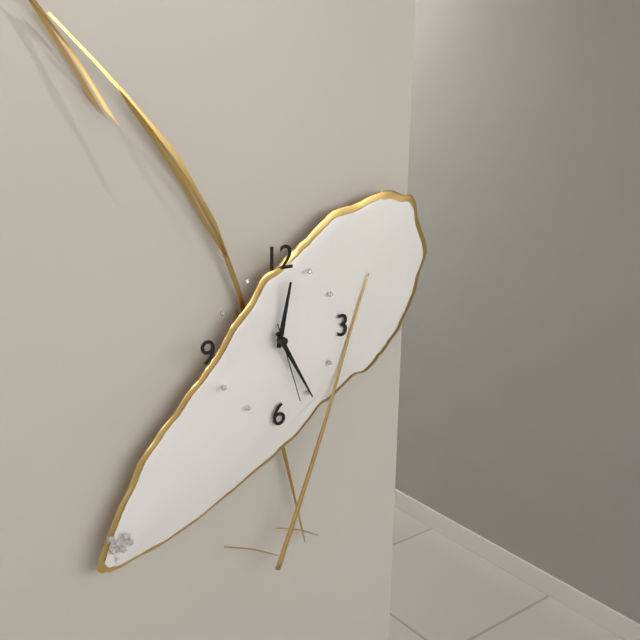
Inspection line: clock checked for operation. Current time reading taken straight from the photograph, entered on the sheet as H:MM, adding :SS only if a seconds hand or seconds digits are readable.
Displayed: 12:25:27
